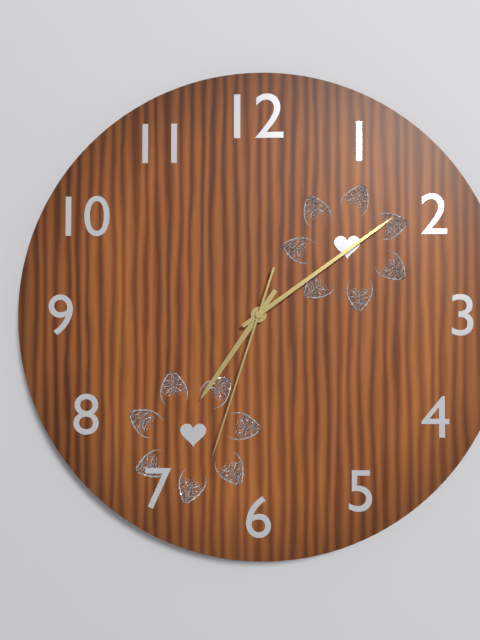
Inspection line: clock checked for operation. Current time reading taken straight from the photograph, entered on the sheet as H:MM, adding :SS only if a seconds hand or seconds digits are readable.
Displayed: 7:09:33
